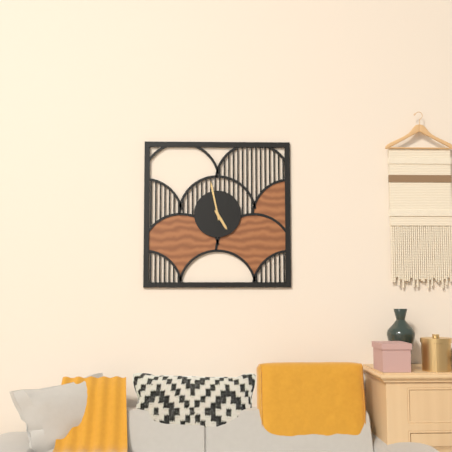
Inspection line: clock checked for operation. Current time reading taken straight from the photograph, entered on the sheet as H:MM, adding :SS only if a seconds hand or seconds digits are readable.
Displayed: 4:58
